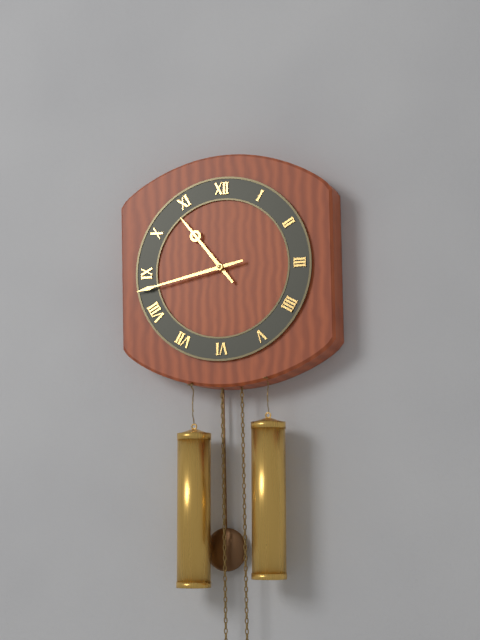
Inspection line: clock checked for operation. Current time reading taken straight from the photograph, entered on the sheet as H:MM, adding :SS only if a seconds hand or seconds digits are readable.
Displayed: 10:43
